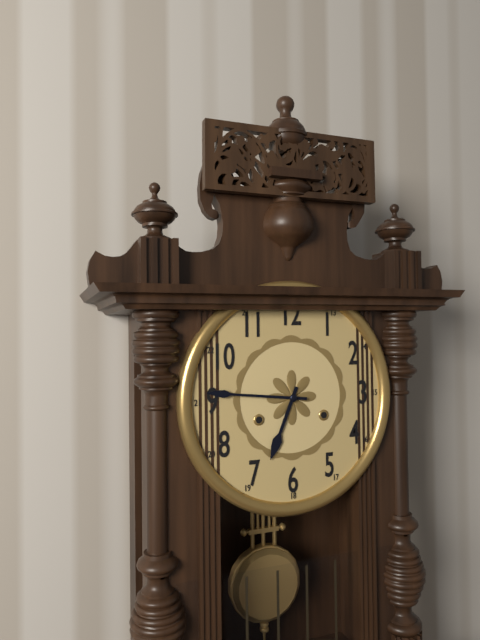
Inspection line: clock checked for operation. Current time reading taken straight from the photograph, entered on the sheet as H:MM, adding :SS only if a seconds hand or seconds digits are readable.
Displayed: 6:46
